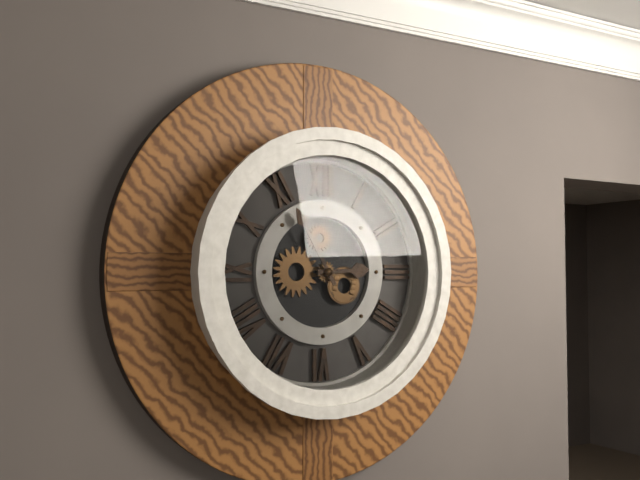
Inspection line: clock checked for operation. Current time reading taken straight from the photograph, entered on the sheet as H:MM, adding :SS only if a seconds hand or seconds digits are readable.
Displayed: 2:55
